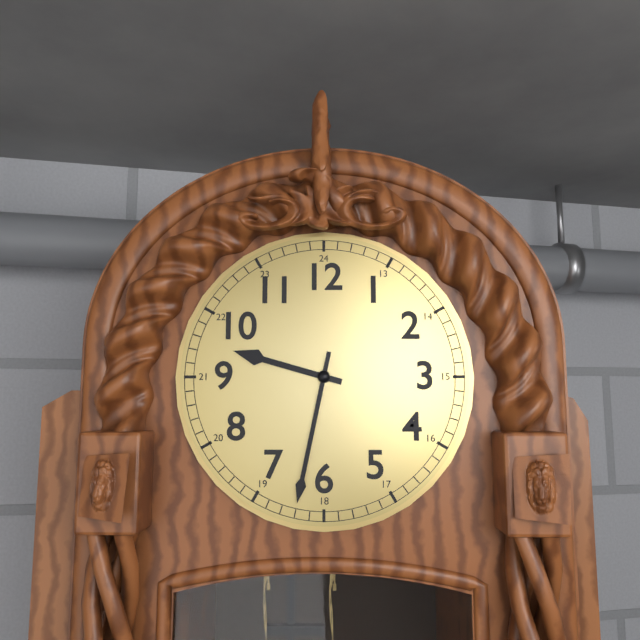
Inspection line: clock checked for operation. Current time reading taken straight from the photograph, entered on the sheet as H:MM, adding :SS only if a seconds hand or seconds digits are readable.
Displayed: 9:32
